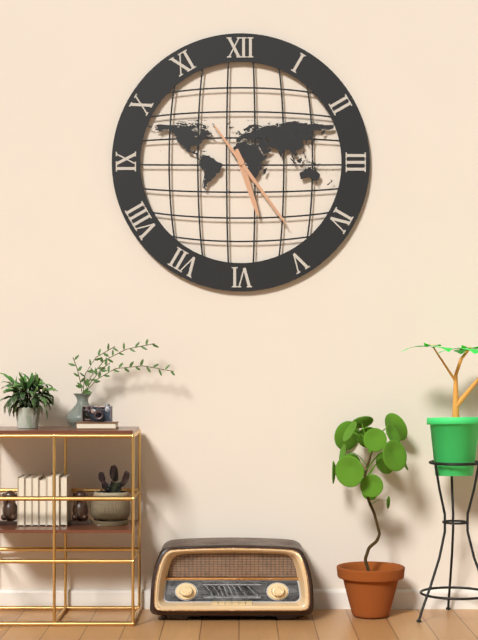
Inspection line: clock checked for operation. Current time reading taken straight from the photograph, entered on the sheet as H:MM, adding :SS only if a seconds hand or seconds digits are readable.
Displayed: 5:24
